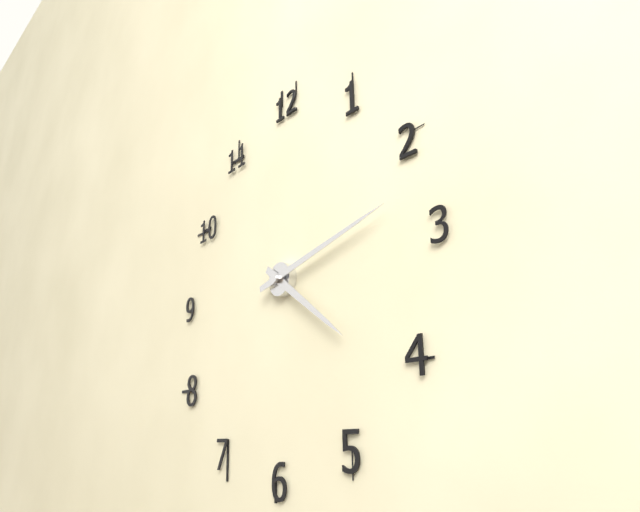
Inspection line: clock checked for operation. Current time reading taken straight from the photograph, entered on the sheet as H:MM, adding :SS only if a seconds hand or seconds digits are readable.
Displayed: 4:13
